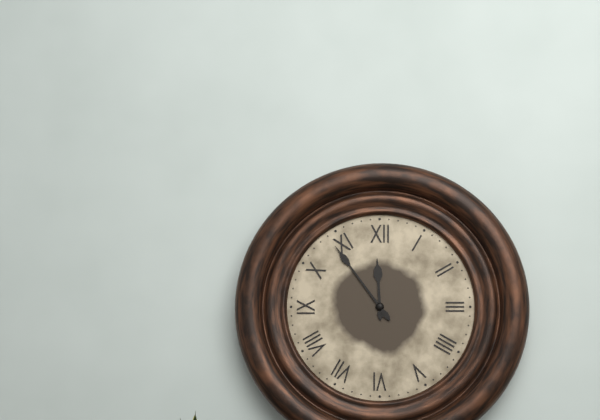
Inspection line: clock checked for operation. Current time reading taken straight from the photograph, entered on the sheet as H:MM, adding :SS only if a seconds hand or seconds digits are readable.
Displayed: 11:54
